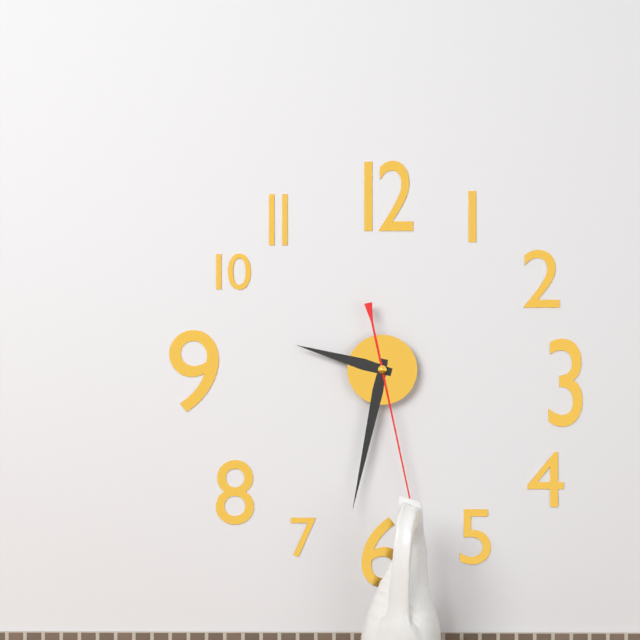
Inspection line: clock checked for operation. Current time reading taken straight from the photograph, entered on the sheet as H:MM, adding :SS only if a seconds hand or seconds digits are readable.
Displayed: 9:32:28
